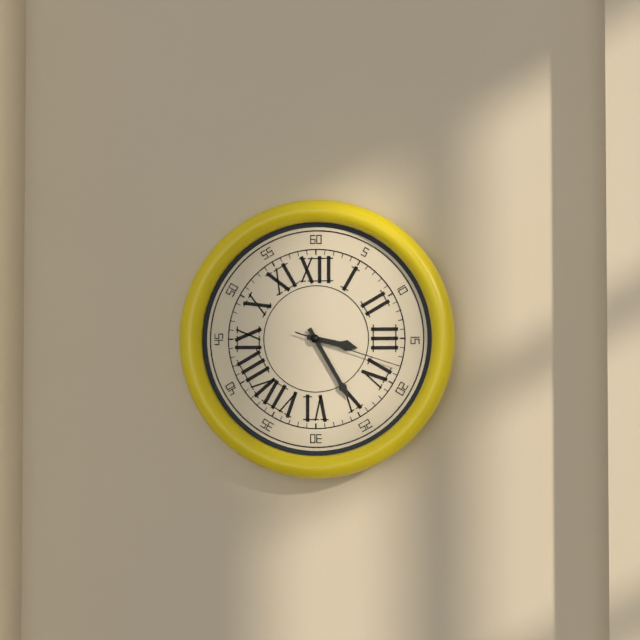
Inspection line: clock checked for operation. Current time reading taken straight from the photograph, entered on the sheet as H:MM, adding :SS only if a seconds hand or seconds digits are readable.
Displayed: 3:25:18
